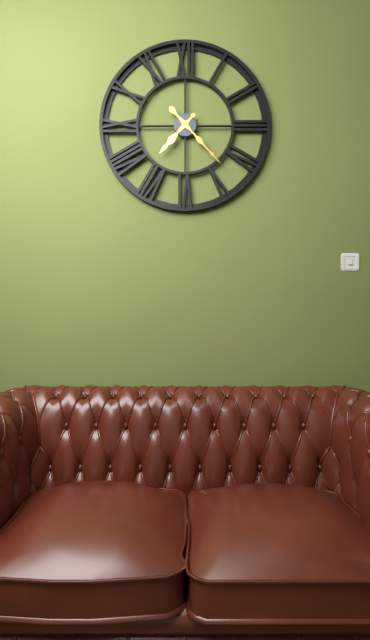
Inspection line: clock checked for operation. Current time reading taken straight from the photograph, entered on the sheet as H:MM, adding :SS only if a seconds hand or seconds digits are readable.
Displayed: 7:23
